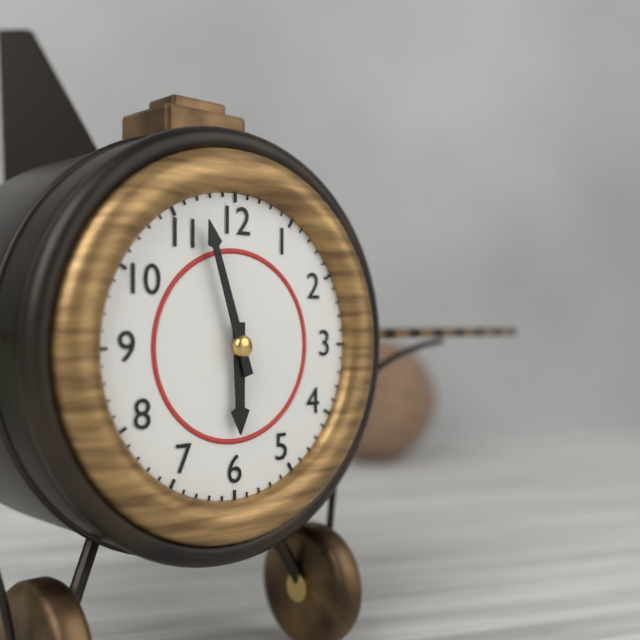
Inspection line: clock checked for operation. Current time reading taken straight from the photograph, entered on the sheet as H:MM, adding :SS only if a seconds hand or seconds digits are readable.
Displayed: 5:57
